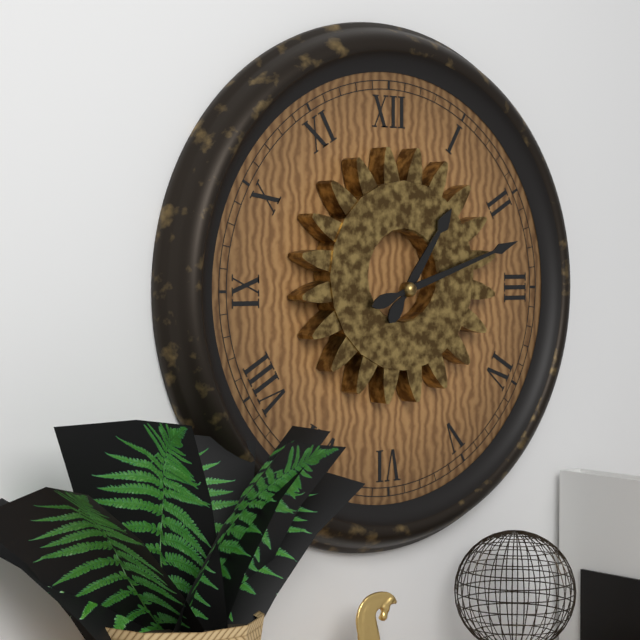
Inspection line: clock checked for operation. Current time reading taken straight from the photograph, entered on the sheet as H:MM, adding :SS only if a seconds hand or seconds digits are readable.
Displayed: 1:12
